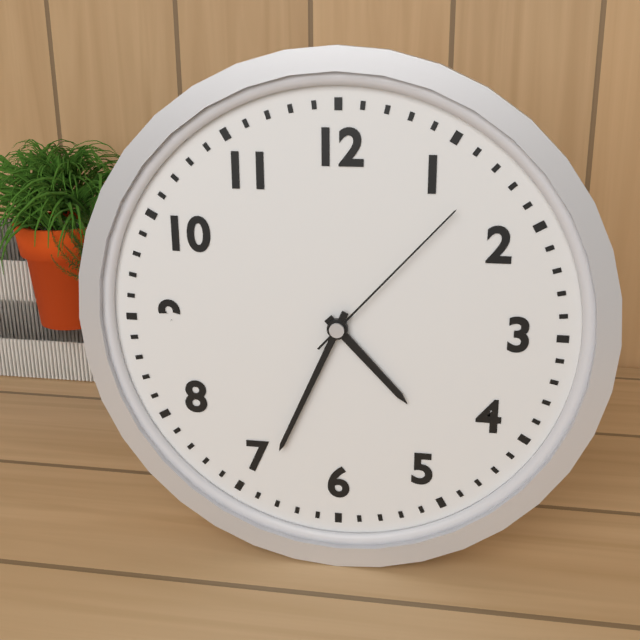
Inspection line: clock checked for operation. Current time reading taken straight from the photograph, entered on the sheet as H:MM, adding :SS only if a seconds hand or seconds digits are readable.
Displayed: 4:34:07
